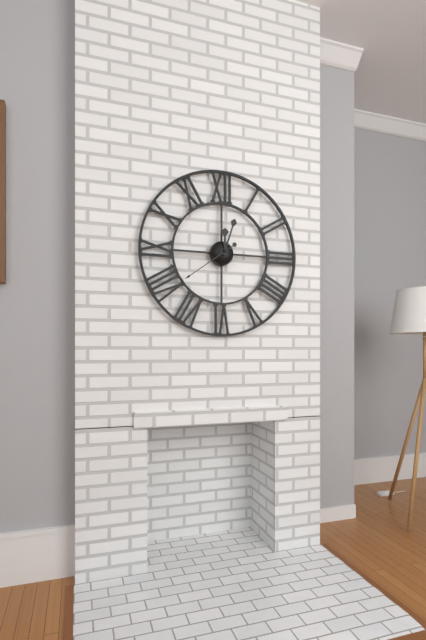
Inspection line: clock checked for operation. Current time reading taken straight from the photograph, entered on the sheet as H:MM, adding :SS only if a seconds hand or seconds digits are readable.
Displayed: 12:03:39
